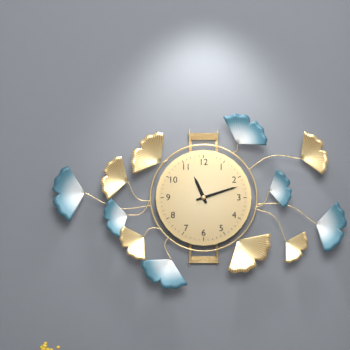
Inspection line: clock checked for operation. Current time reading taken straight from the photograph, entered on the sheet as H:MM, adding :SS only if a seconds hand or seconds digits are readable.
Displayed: 11:12
